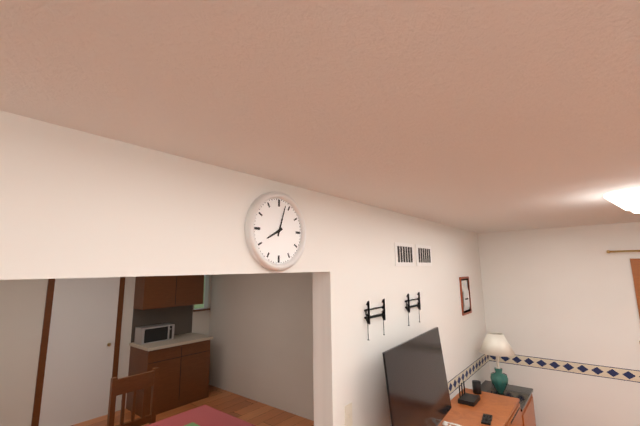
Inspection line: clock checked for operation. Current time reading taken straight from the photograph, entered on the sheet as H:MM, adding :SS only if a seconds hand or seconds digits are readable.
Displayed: 8:03
